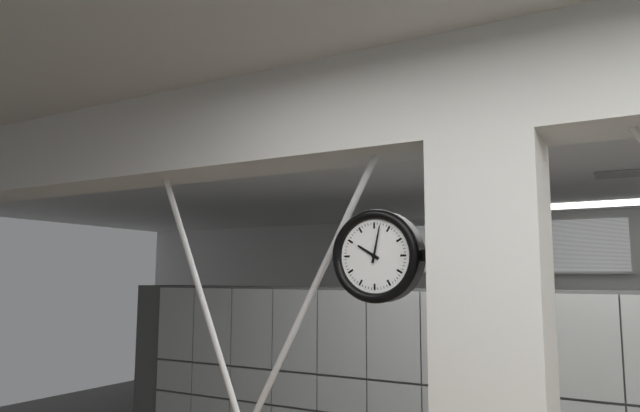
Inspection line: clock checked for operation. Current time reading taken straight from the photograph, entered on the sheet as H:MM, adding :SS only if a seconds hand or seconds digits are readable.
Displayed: 10:02
